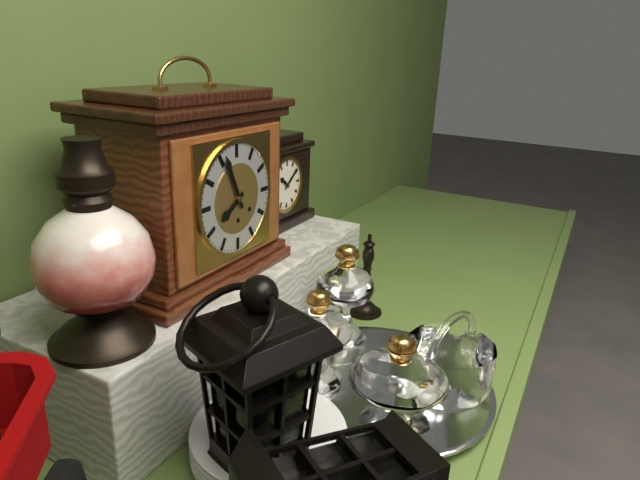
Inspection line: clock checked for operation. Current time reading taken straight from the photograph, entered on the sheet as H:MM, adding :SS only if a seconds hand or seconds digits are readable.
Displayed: 7:56
